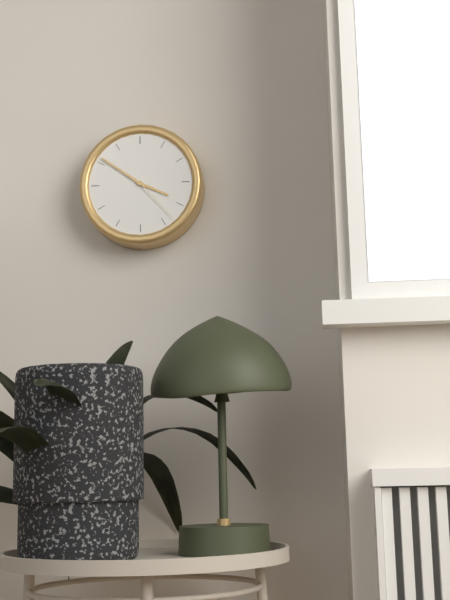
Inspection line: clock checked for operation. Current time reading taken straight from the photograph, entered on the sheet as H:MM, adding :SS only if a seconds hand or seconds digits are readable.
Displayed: 3:51:23
